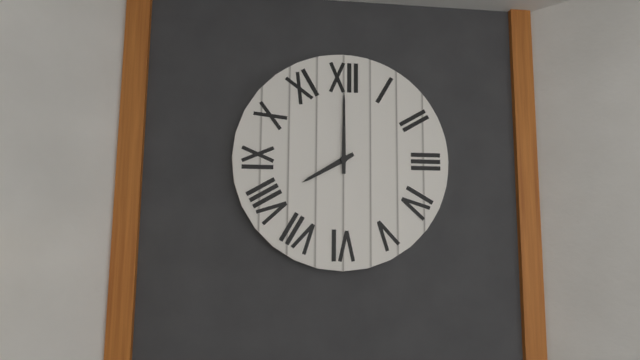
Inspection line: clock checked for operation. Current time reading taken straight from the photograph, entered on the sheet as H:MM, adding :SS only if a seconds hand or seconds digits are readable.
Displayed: 8:00
